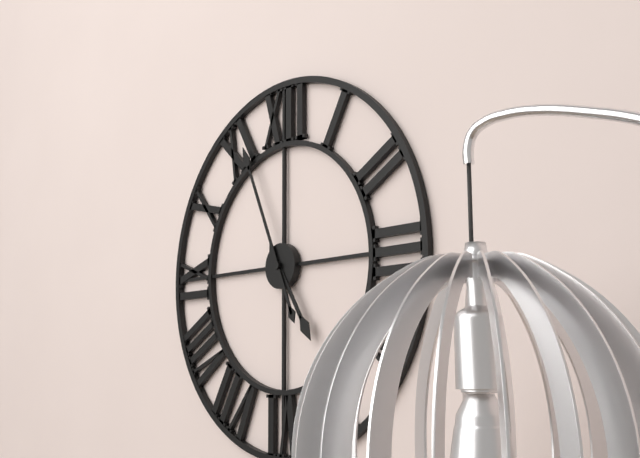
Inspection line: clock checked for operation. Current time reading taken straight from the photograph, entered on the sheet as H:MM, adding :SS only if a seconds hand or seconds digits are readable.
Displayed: 4:56
